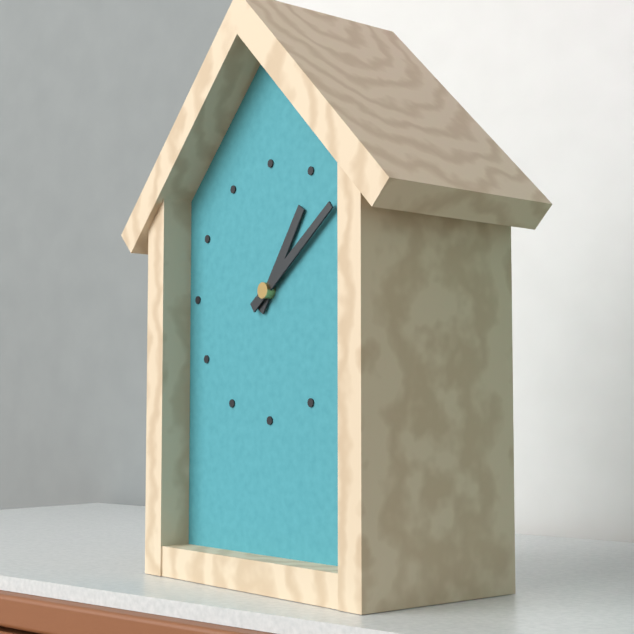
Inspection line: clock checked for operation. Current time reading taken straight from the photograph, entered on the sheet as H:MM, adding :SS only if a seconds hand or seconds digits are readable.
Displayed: 1:09
